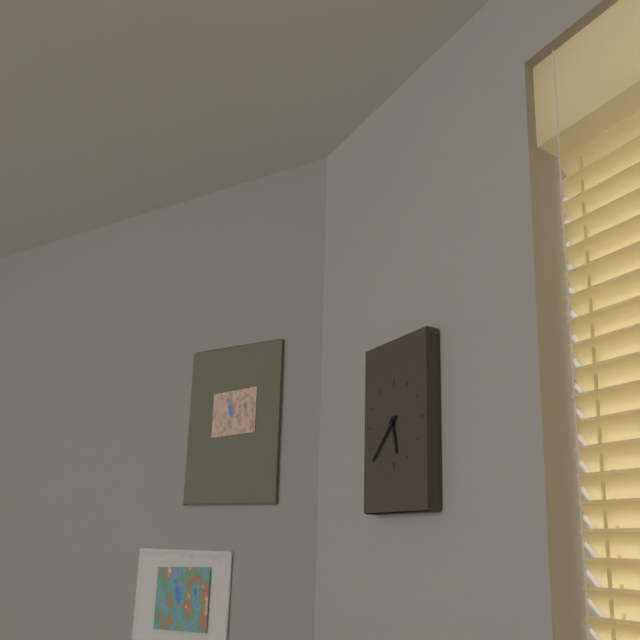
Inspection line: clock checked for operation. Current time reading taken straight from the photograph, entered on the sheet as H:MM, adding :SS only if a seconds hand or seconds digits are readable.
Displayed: 5:37
